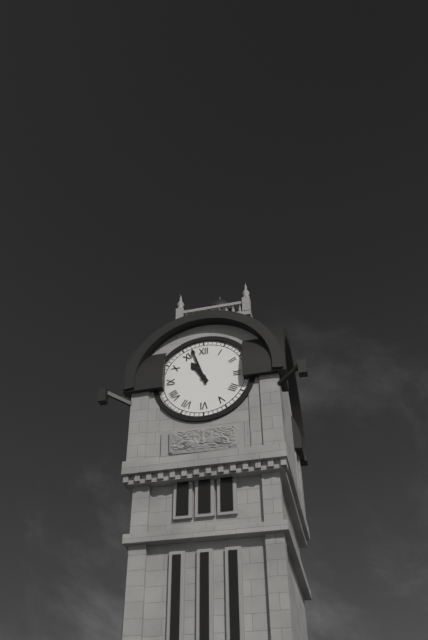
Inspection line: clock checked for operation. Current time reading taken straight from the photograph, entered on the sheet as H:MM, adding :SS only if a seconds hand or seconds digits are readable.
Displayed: 10:57
